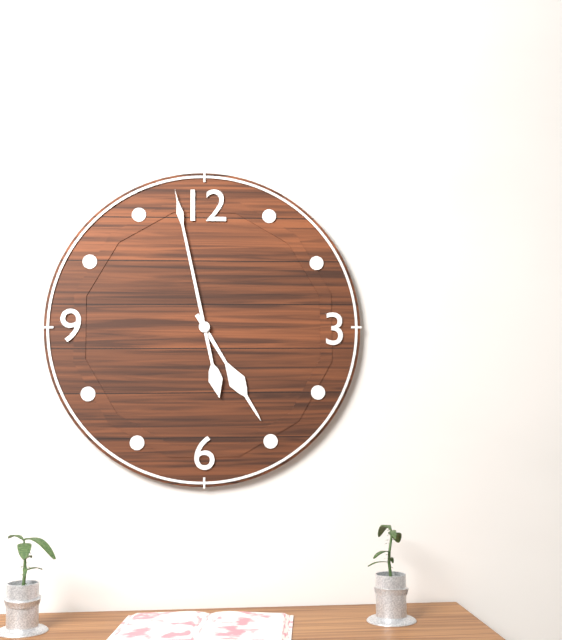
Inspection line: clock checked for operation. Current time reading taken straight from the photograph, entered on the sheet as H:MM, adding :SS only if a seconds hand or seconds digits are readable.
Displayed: 4:58
